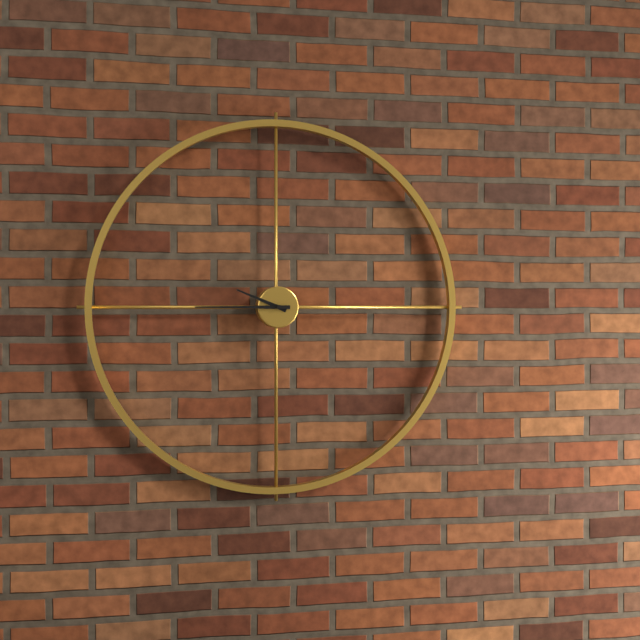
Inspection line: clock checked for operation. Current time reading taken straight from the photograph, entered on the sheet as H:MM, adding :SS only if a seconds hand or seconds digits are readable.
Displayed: 9:45
